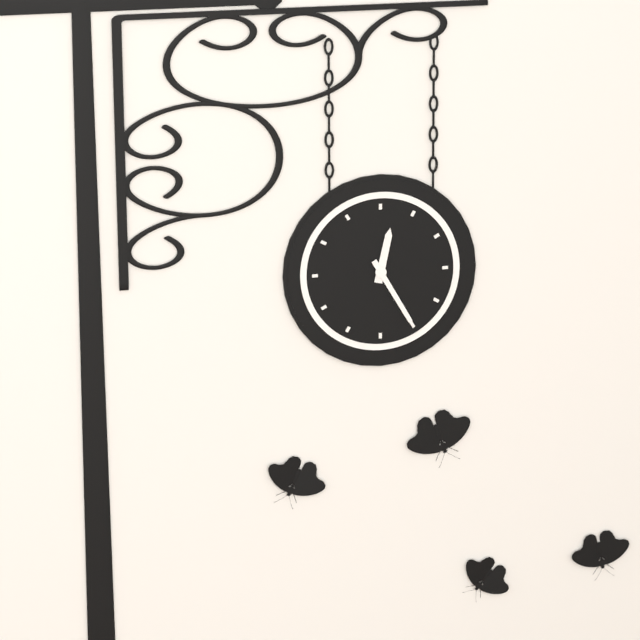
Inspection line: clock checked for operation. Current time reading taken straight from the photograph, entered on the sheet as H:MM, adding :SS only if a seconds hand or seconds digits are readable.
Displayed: 12:25
